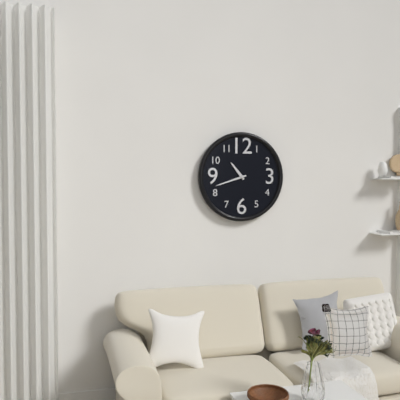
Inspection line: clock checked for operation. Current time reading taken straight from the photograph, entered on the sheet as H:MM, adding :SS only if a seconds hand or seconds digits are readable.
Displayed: 10:42
